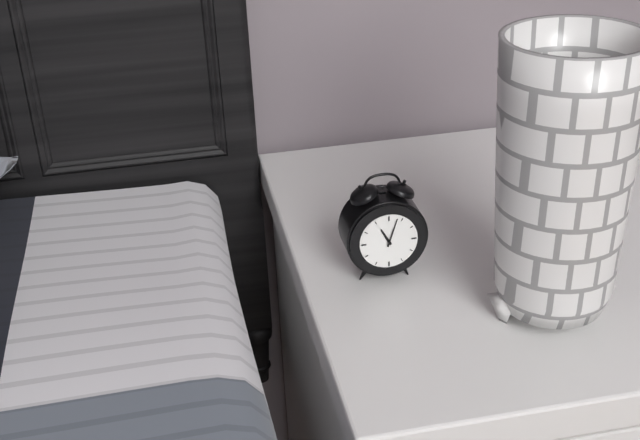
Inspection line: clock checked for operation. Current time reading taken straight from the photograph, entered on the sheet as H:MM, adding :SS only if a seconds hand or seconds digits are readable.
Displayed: 11:03
